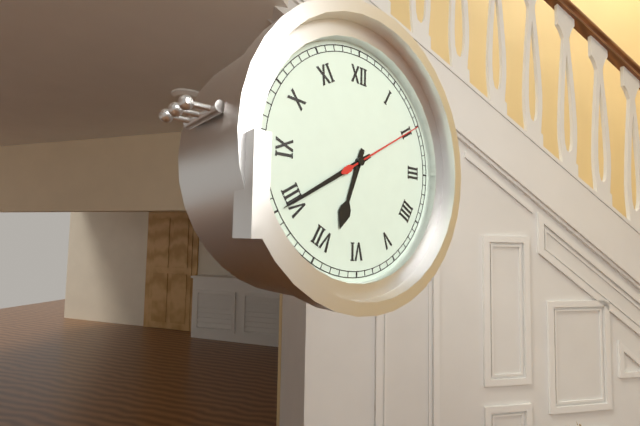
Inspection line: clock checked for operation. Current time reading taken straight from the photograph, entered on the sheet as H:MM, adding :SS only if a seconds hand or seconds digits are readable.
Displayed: 6:40:10
